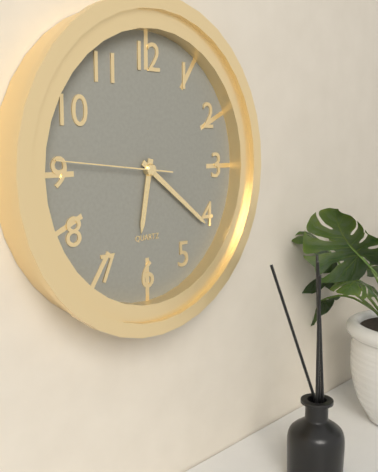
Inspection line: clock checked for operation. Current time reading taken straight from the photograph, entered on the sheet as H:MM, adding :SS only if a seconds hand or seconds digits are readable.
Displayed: 6:21:46
